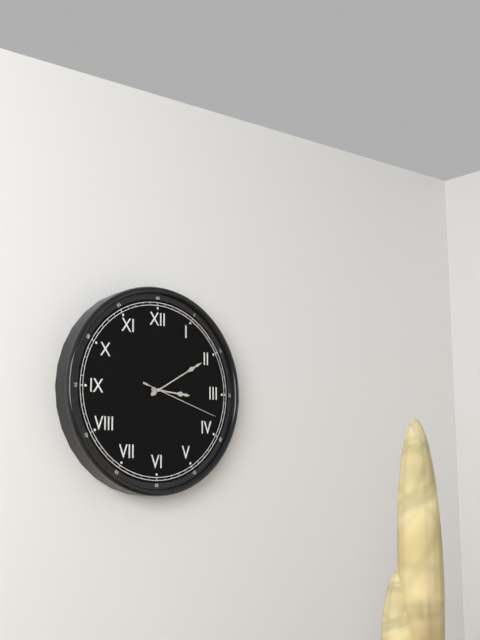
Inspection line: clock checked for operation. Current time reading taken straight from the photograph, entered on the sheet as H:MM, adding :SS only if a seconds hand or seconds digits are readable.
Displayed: 3:10:18
